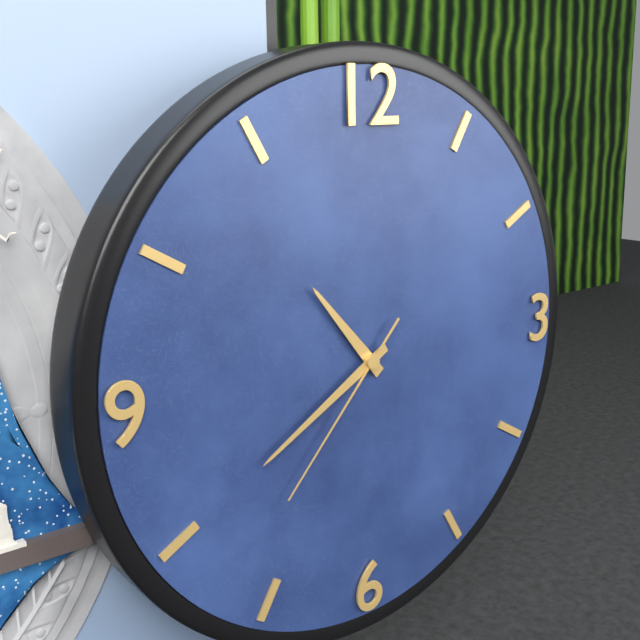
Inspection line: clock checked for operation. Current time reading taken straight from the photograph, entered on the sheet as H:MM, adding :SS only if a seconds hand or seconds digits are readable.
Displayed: 10:40:37
